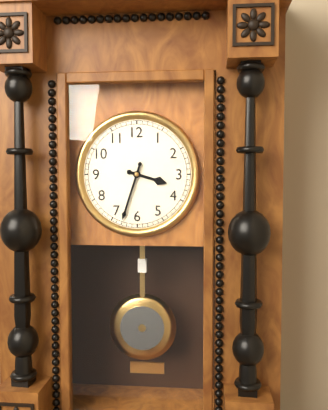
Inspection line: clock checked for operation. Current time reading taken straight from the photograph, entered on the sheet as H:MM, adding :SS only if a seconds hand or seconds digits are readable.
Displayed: 3:33
